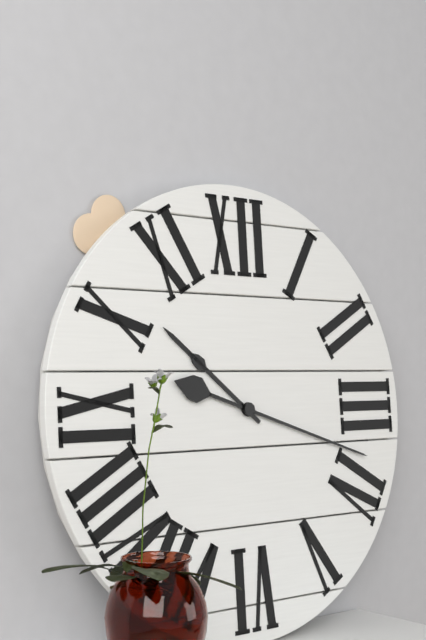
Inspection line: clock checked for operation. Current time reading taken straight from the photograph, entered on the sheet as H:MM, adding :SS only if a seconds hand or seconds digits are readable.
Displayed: 10:18
